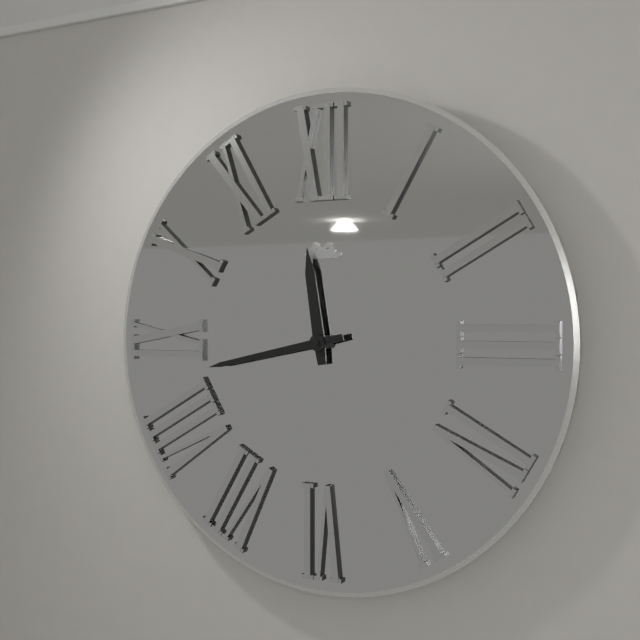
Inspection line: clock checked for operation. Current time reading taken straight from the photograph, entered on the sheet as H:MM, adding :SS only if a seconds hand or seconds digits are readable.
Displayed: 11:43
